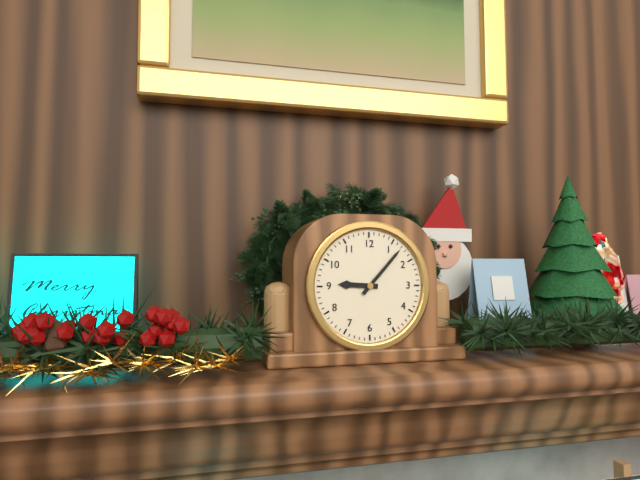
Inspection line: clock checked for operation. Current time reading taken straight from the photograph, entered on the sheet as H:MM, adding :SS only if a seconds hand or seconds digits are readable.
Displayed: 9:07
